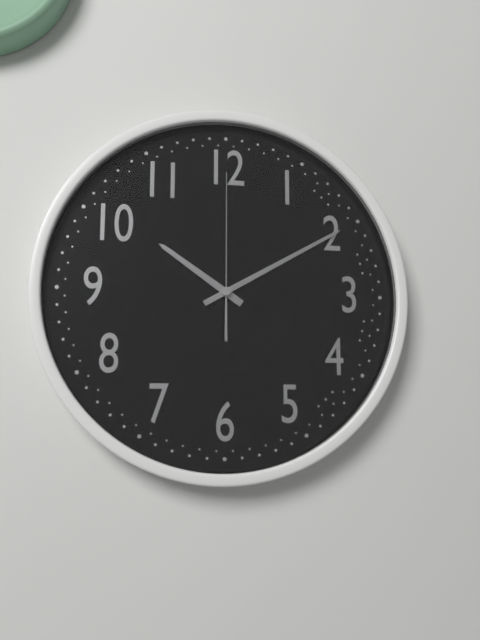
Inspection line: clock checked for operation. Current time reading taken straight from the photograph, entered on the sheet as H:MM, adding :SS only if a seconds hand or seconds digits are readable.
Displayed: 10:10:00
